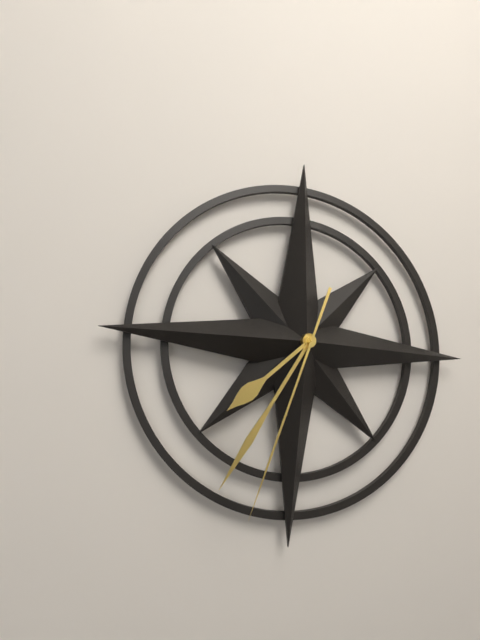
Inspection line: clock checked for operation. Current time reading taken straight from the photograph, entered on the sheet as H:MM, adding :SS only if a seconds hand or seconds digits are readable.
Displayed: 7:35:33
